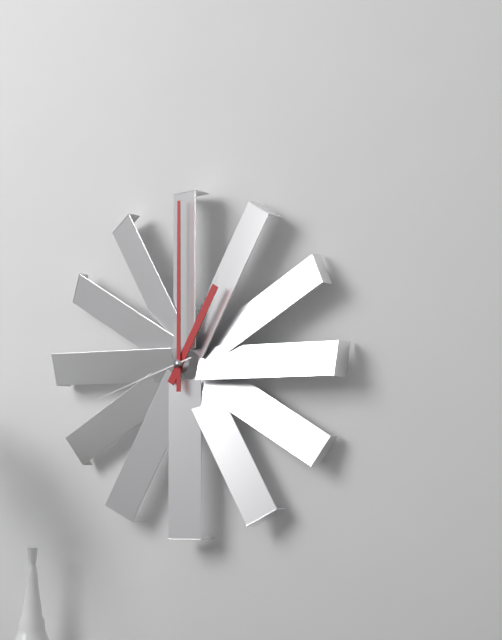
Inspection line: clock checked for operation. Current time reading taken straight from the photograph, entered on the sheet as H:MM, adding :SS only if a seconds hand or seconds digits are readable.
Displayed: 1:00:42
